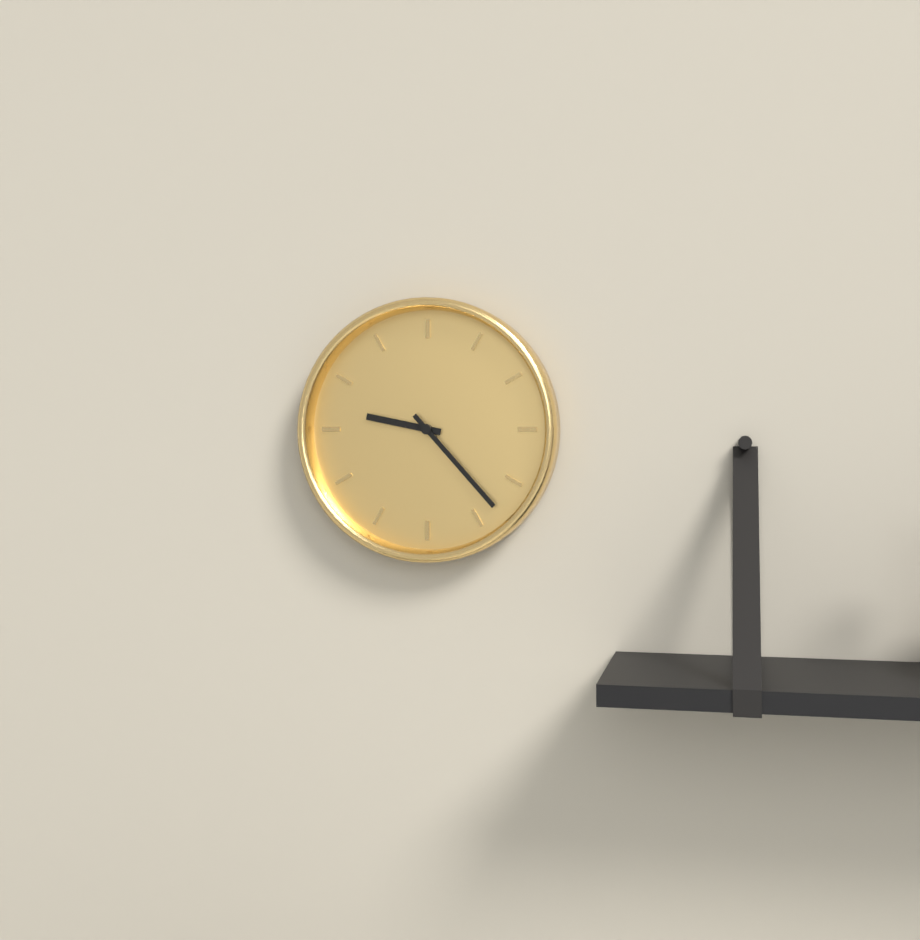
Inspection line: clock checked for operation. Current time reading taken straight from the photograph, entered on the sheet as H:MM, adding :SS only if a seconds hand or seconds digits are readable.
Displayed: 9:23
